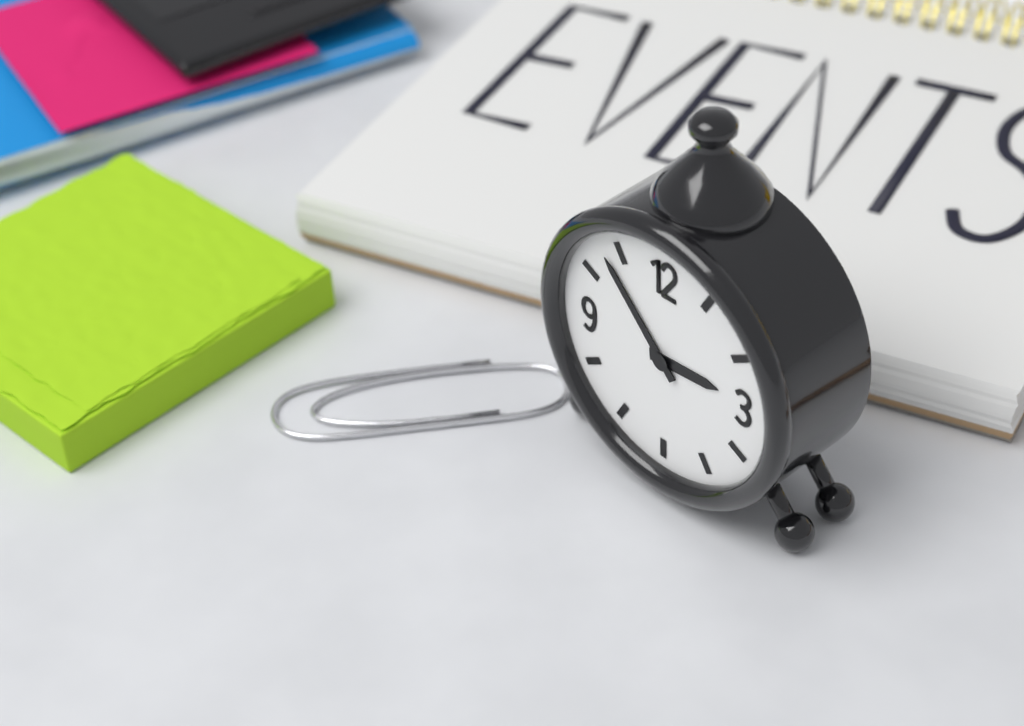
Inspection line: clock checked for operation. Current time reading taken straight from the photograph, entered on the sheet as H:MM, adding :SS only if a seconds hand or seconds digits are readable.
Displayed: 2:53
